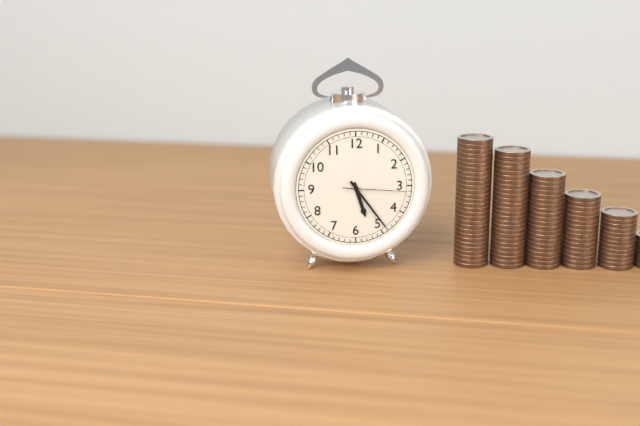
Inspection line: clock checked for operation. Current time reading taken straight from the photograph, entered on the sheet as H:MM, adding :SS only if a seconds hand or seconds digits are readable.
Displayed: 5:24:16
